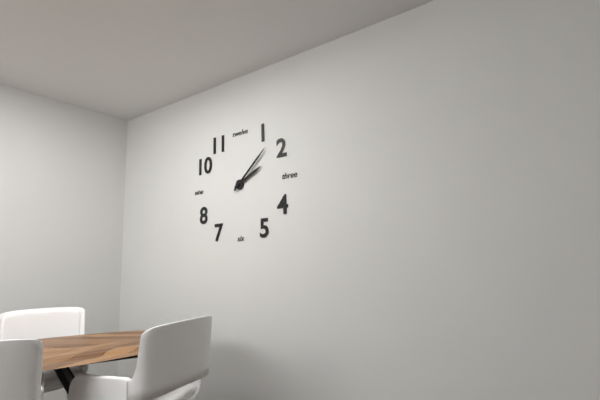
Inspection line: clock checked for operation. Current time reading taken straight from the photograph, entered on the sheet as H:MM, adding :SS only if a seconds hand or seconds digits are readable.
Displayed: 2:08
